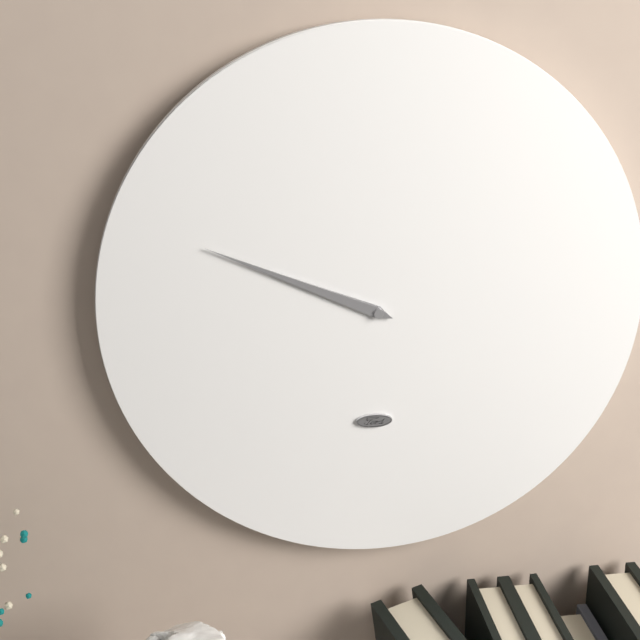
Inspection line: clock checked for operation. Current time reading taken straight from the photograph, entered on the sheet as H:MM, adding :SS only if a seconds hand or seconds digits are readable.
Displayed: 9:49
